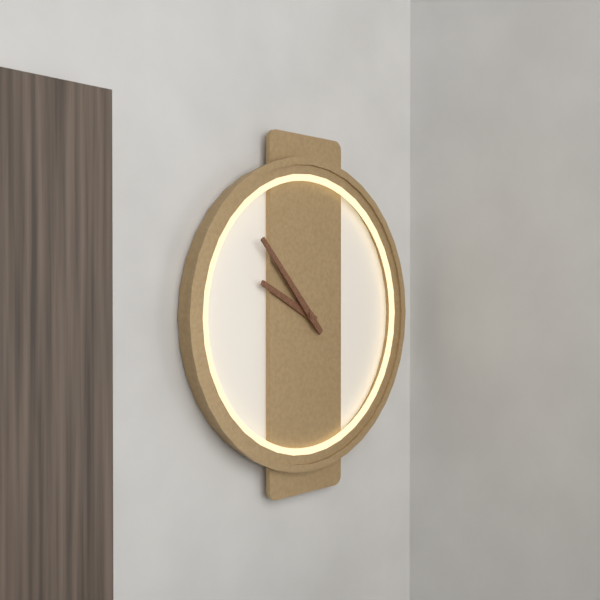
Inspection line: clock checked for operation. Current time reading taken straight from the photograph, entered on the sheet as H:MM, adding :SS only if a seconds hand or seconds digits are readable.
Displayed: 9:53
